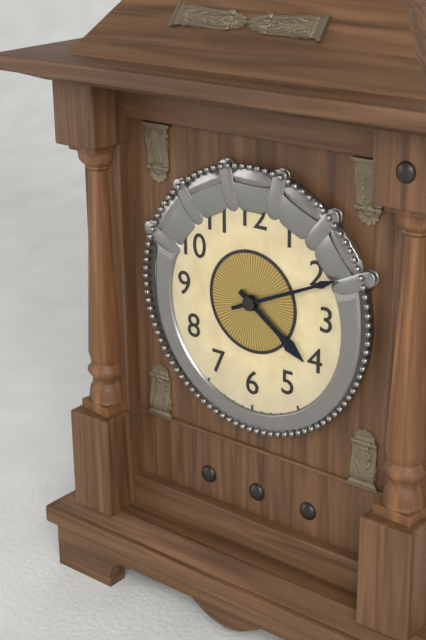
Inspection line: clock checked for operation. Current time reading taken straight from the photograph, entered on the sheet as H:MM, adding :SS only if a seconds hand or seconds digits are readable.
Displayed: 4:11
